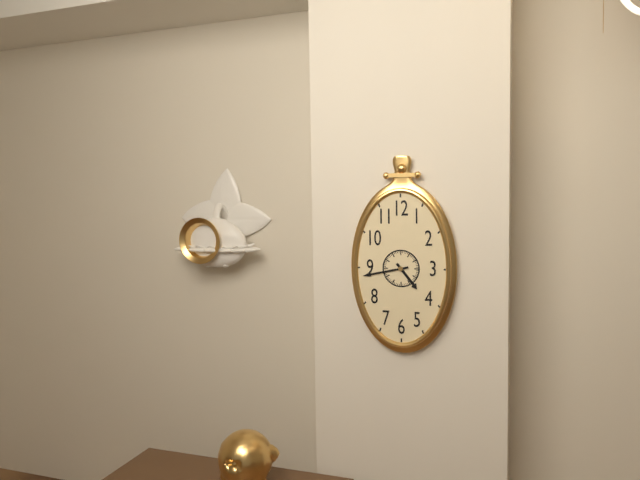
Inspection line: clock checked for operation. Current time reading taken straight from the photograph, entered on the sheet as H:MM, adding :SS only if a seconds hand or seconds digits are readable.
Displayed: 4:43
